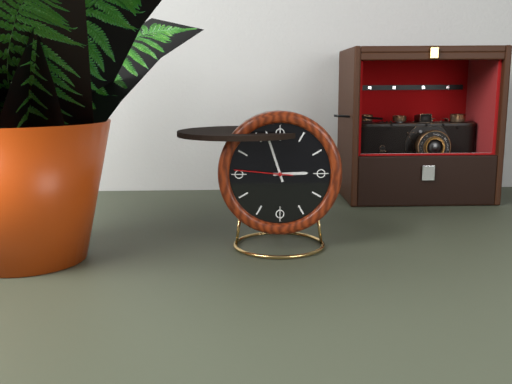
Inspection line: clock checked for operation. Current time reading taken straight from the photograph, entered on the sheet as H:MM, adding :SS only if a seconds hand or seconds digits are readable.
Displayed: 2:57:46
